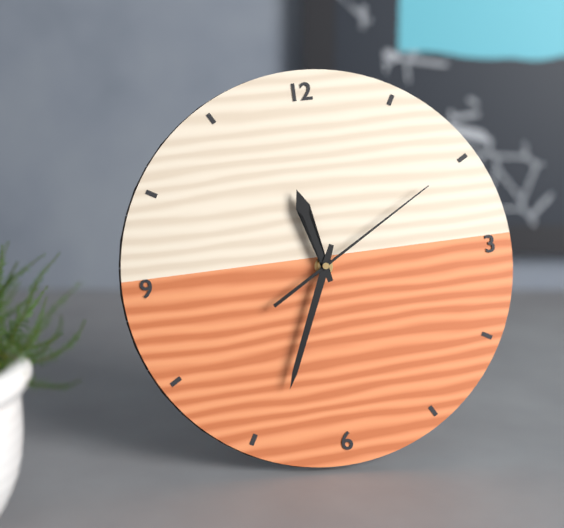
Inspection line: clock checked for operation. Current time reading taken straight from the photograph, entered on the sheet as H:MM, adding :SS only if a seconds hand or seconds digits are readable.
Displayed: 11:34:10
